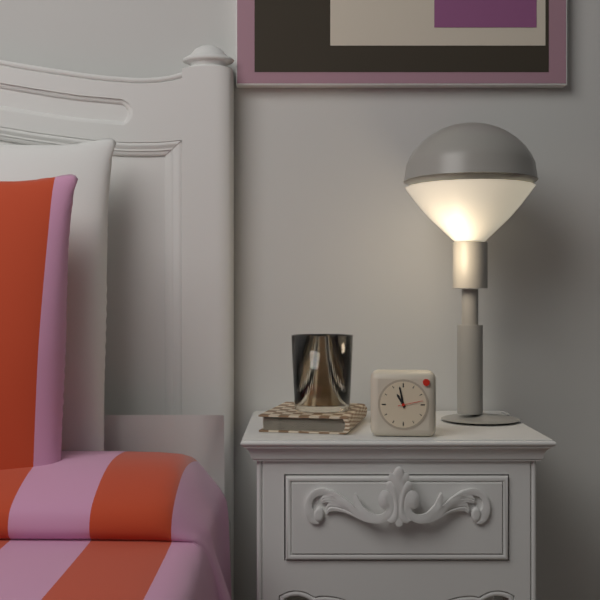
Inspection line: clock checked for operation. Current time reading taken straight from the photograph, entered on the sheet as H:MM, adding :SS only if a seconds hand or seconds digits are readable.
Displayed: 10:58
